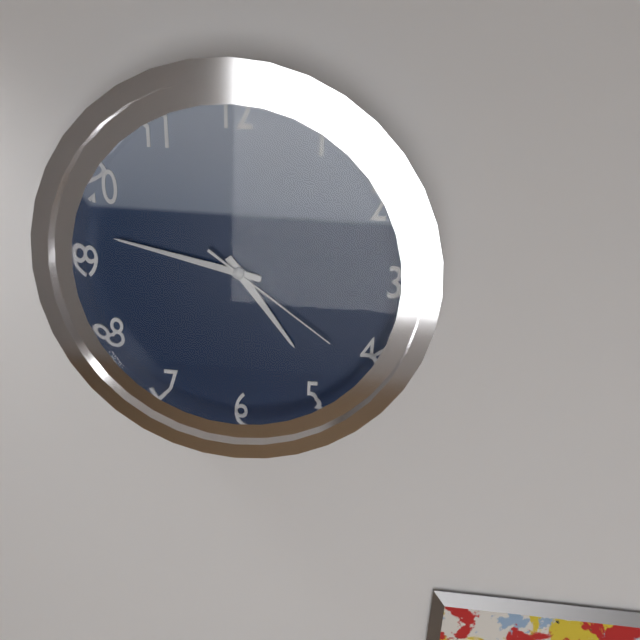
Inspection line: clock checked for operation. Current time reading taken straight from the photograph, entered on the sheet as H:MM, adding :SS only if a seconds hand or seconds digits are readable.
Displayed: 4:47:21
